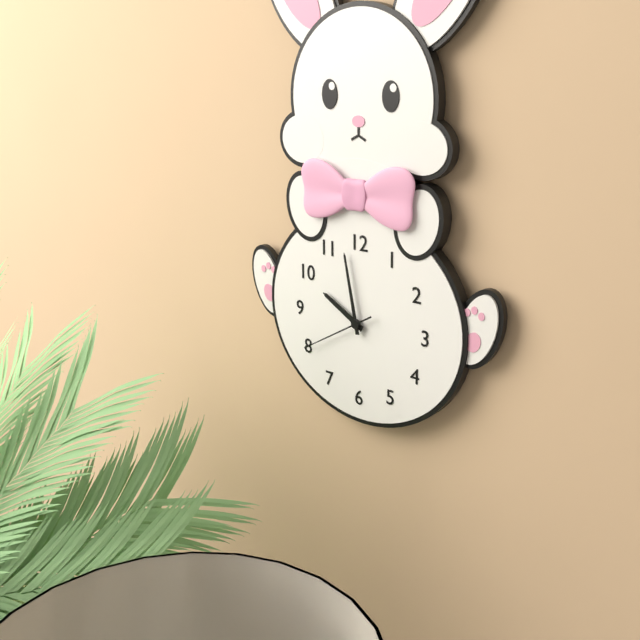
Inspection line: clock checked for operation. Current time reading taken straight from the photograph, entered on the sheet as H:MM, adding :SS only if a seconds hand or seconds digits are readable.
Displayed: 9:58:40
